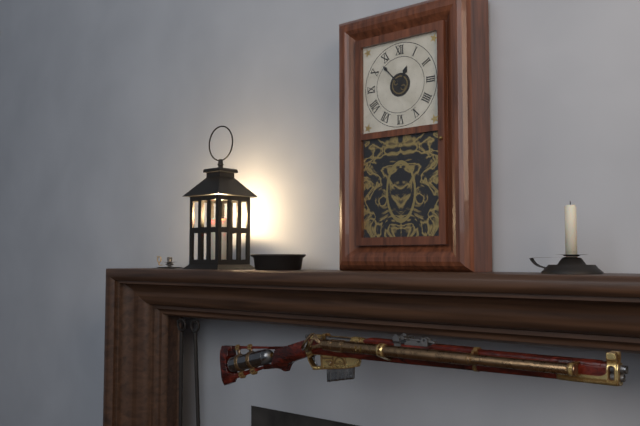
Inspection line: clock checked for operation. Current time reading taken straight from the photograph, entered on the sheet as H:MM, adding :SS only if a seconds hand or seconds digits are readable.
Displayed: 12:53
